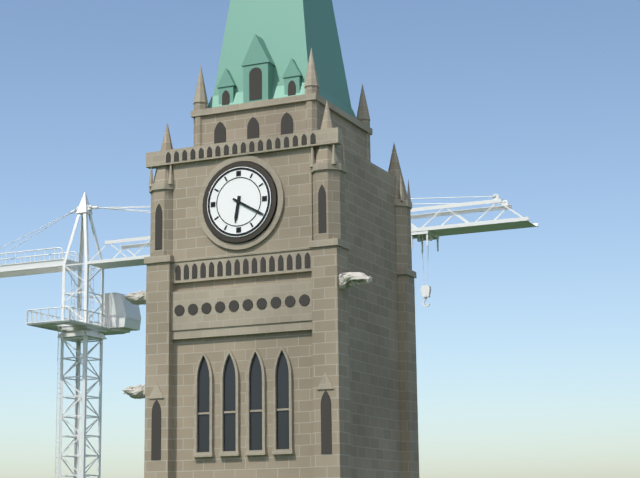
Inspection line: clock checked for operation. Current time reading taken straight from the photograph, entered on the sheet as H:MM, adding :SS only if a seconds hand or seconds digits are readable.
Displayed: 6:20
